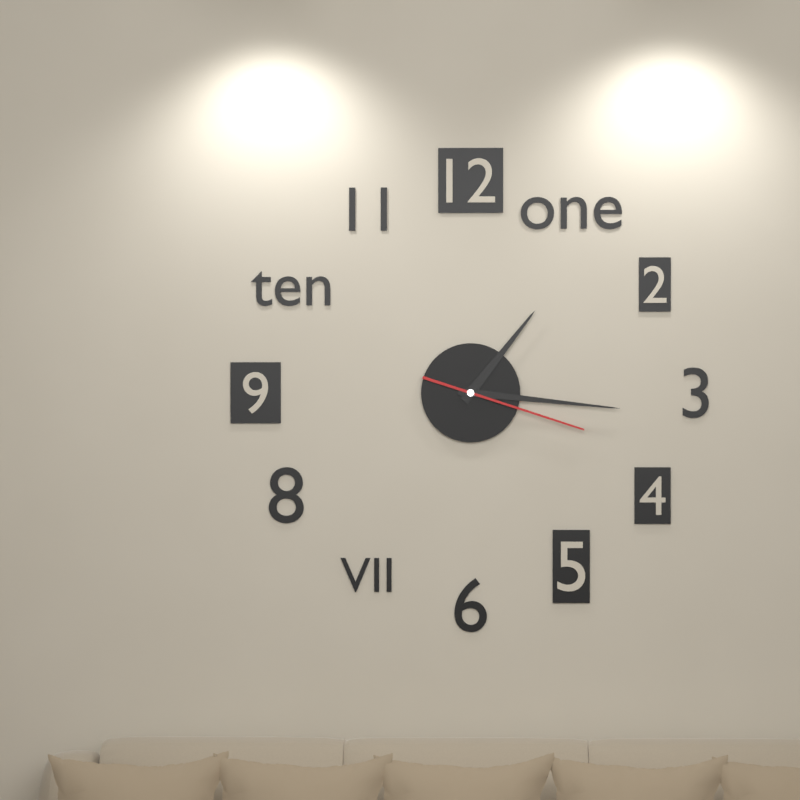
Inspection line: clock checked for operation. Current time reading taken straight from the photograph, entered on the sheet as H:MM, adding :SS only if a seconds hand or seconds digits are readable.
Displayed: 1:16:18
